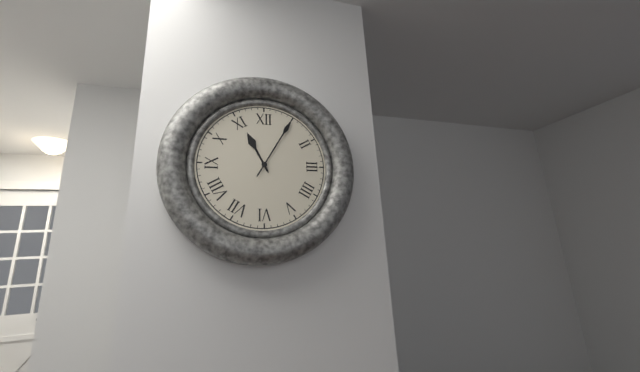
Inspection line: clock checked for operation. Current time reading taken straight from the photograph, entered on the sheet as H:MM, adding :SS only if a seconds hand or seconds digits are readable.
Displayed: 11:05
